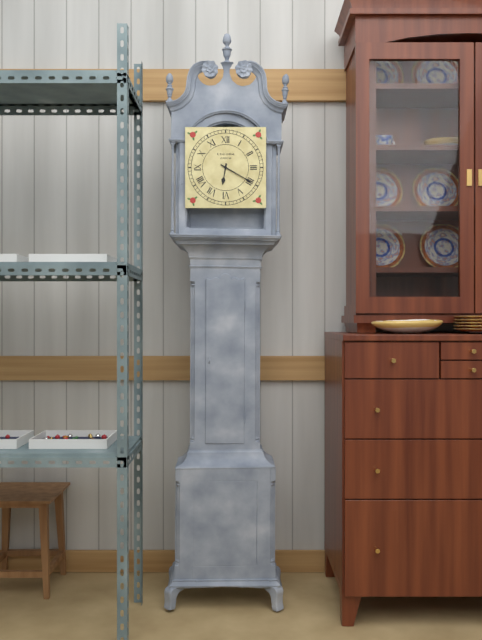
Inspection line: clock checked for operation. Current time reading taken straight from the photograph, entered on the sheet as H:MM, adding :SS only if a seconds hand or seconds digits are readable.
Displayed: 6:20
